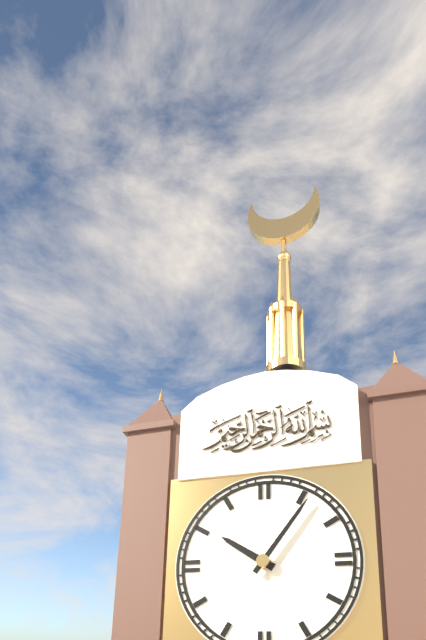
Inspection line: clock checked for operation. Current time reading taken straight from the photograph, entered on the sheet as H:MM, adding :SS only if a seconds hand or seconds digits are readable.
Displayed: 10:06
